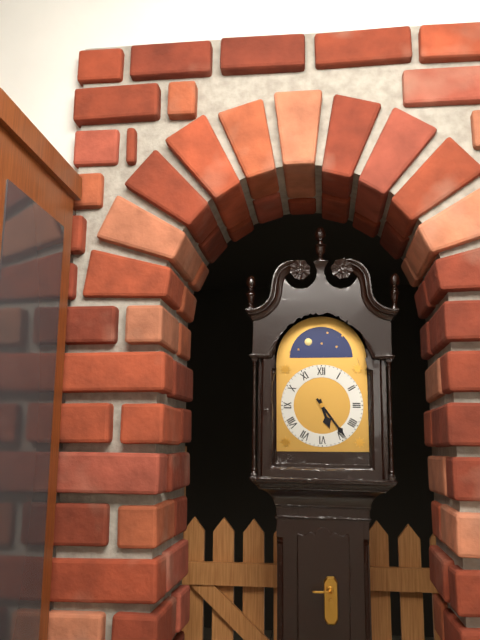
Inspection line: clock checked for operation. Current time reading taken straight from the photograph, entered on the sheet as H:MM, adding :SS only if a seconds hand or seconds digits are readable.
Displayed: 5:24
